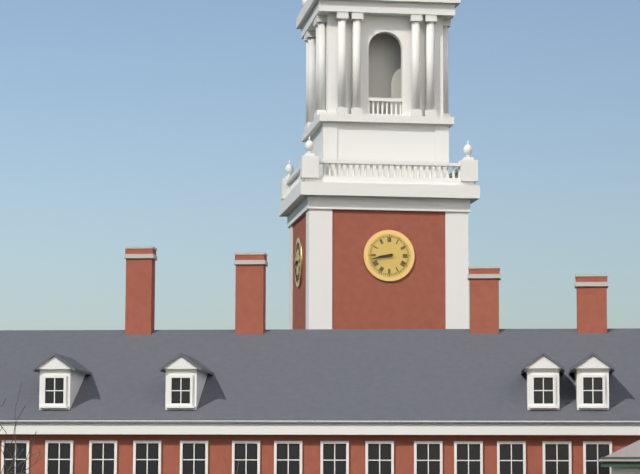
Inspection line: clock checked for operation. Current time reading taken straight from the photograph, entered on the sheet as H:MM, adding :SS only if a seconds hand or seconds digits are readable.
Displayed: 8:43
